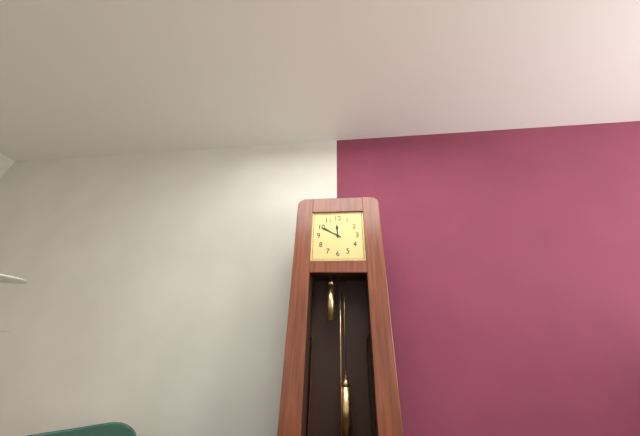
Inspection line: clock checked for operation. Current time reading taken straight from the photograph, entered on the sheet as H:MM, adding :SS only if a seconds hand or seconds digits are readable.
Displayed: 11:50
